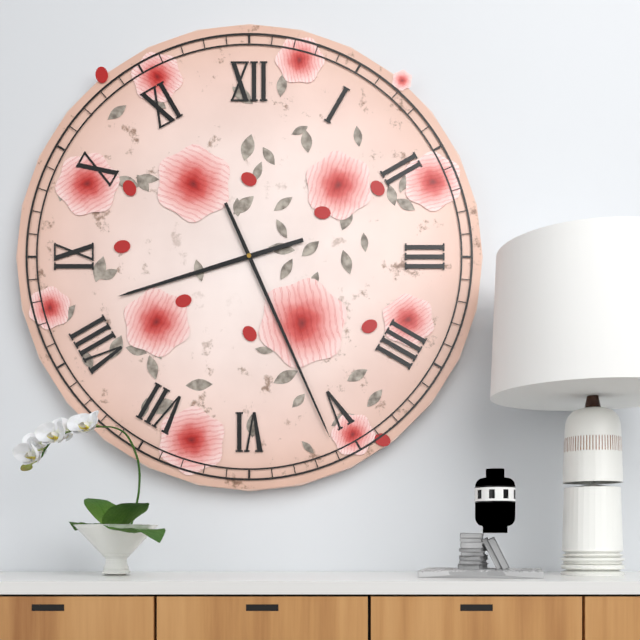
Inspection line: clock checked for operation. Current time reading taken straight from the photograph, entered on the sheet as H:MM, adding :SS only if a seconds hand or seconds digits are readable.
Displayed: 8:26
